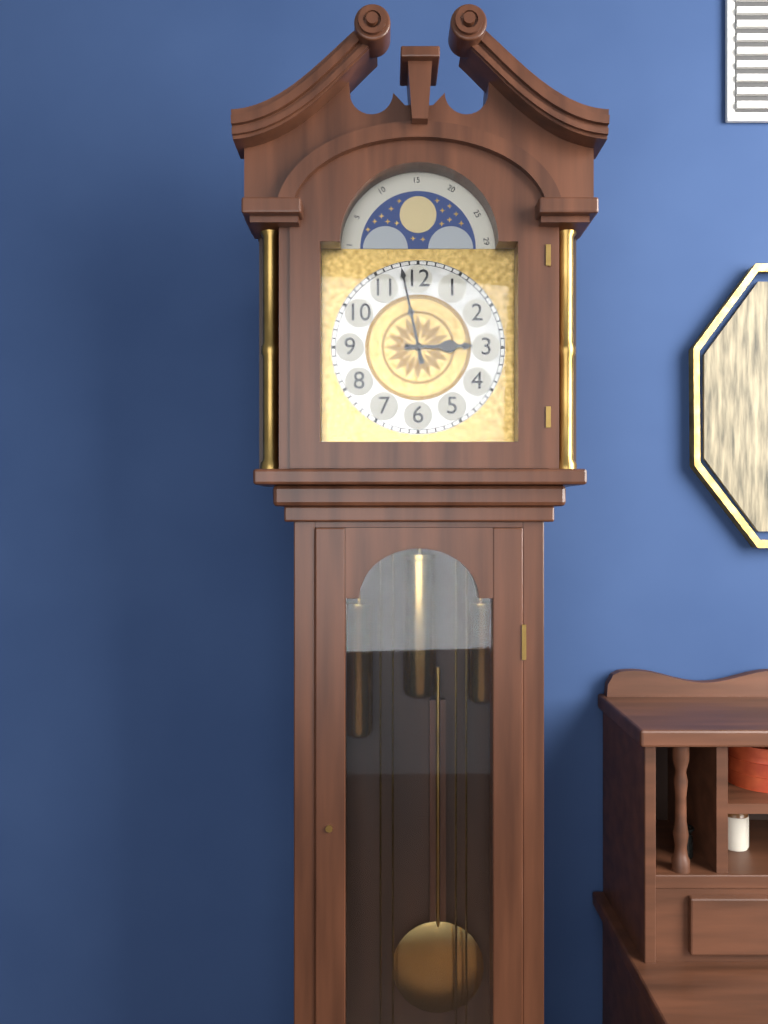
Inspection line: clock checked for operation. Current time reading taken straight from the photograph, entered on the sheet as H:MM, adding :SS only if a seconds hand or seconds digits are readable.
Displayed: 2:58
